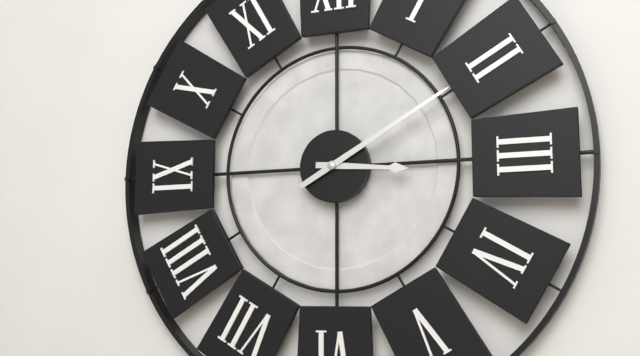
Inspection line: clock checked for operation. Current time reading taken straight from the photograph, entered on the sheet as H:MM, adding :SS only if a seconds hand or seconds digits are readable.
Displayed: 3:10
